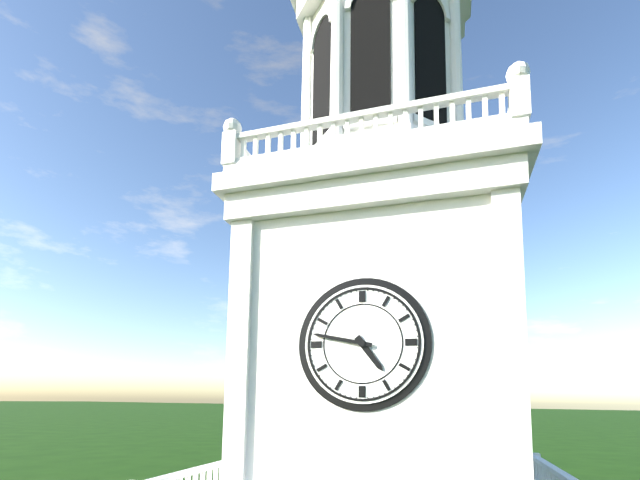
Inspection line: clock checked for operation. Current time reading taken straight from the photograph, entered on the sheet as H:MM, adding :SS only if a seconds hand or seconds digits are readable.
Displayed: 4:47
